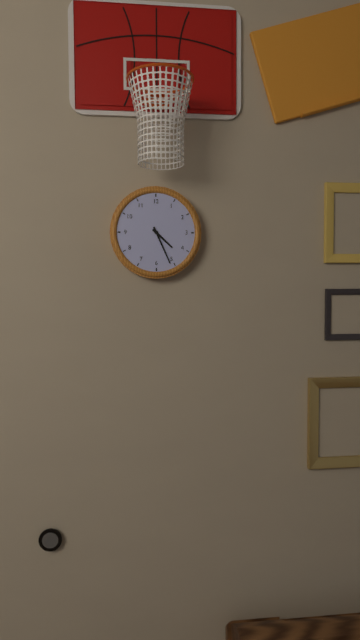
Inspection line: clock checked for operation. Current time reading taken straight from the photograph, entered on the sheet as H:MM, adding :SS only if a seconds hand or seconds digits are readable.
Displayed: 4:26
